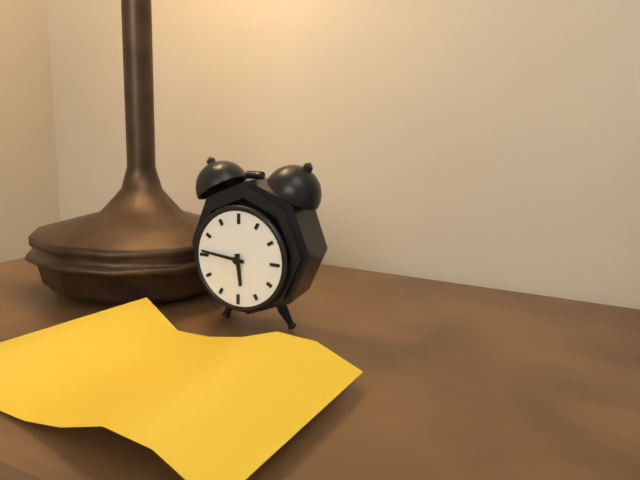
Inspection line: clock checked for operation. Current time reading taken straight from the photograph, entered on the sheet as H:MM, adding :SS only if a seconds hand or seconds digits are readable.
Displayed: 5:46
